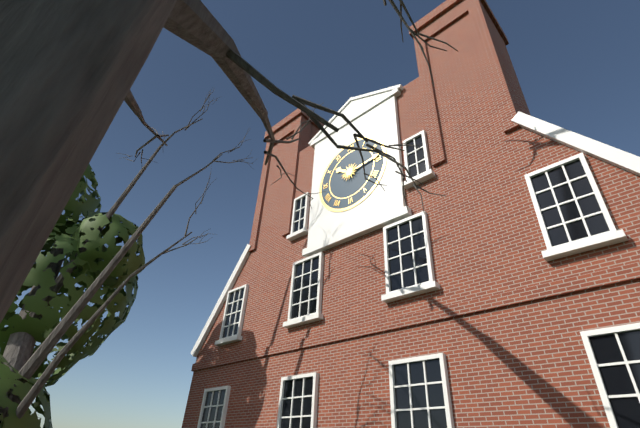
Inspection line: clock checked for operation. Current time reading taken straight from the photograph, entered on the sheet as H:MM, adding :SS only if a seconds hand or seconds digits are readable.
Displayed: 10:14
